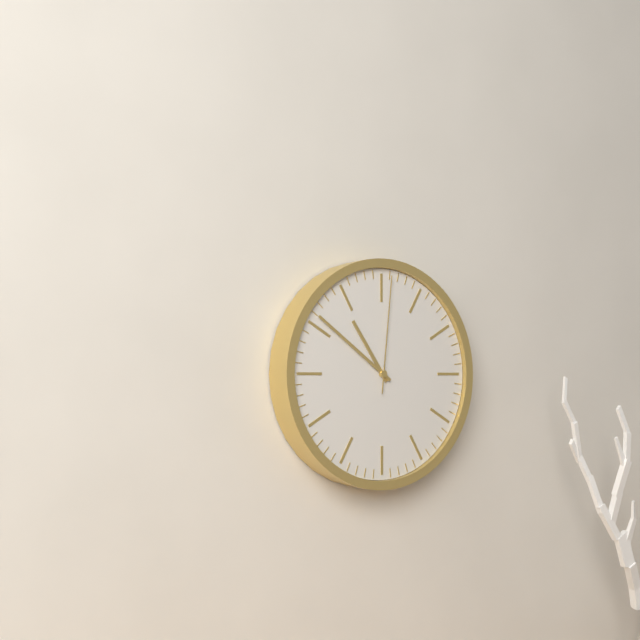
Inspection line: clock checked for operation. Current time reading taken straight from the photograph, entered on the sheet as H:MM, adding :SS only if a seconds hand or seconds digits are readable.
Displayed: 10:51:01
